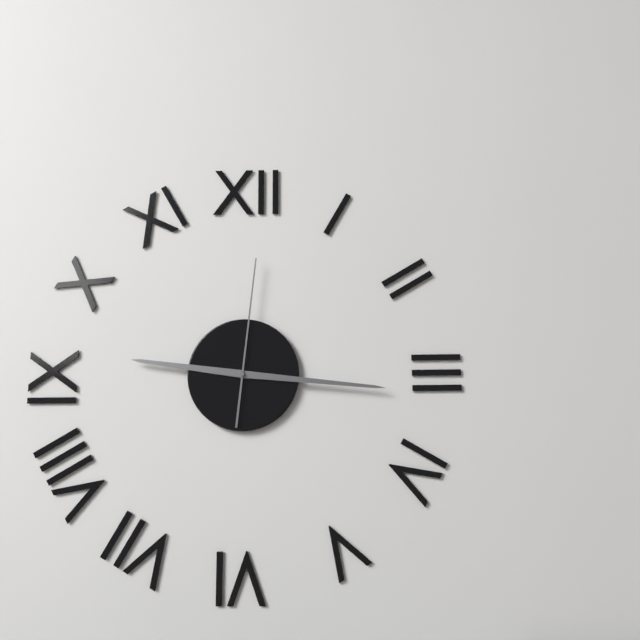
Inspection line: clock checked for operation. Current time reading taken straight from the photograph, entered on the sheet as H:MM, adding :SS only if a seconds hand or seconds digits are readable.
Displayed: 9:16:01
